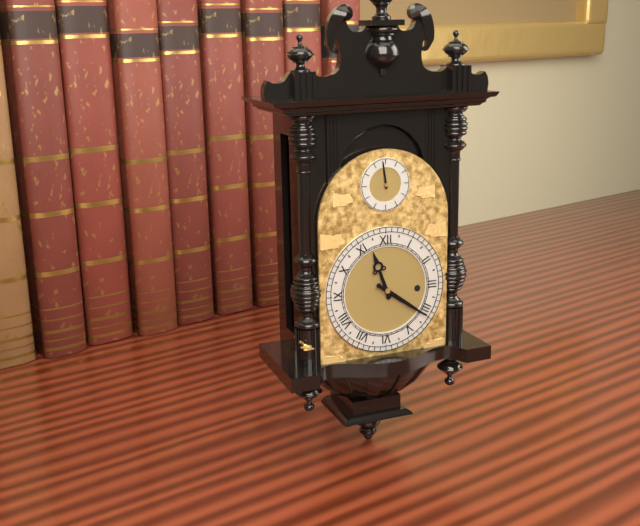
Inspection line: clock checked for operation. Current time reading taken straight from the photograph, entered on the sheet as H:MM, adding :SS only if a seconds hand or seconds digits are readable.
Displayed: 11:21
